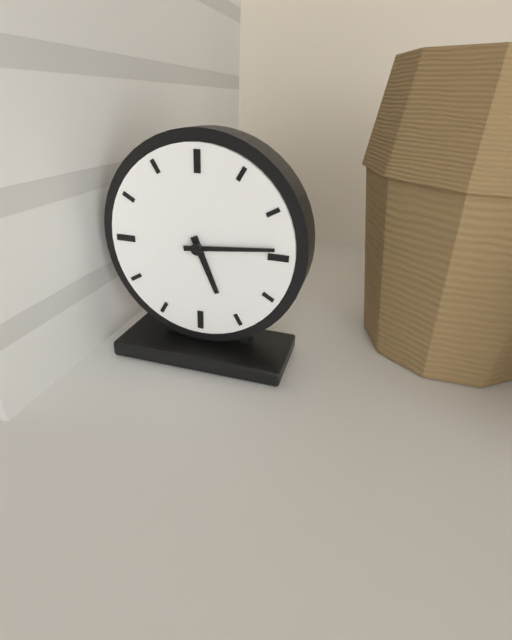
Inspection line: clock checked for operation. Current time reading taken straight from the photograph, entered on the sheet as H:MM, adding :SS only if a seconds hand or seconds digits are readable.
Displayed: 5:14
